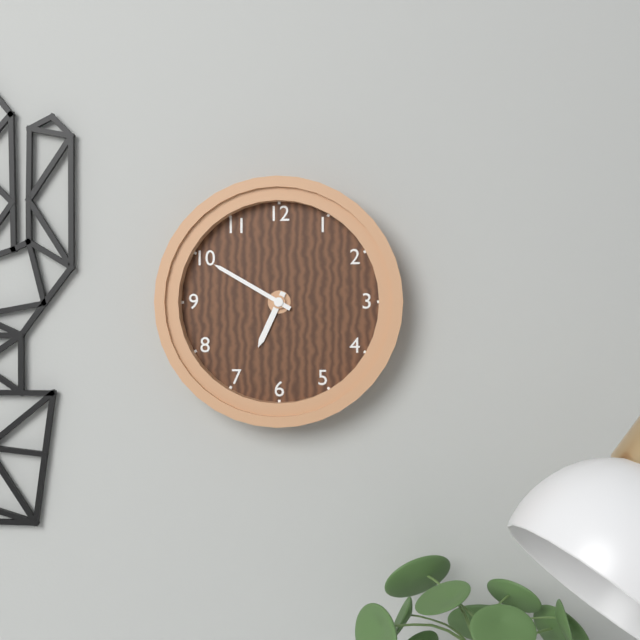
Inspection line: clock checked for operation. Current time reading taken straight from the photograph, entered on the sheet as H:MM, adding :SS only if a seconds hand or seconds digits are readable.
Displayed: 6:50
